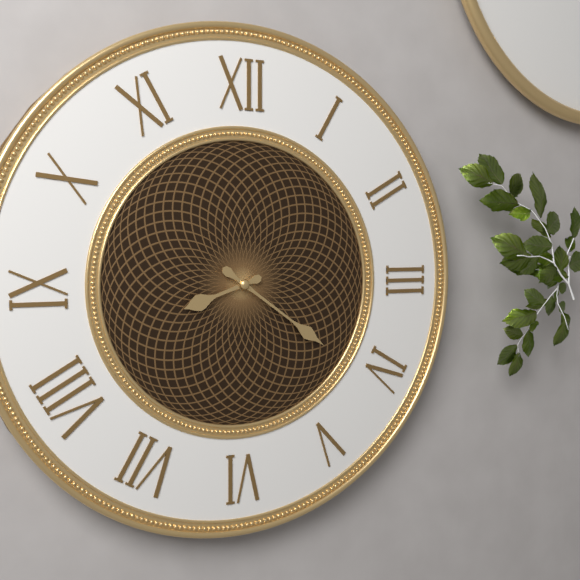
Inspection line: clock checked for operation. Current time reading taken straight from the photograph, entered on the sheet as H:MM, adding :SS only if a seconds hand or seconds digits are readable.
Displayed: 8:21
